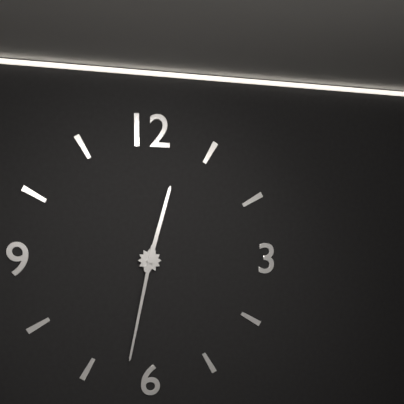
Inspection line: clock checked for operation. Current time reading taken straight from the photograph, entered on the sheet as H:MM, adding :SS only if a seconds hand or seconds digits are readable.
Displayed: 12:32
